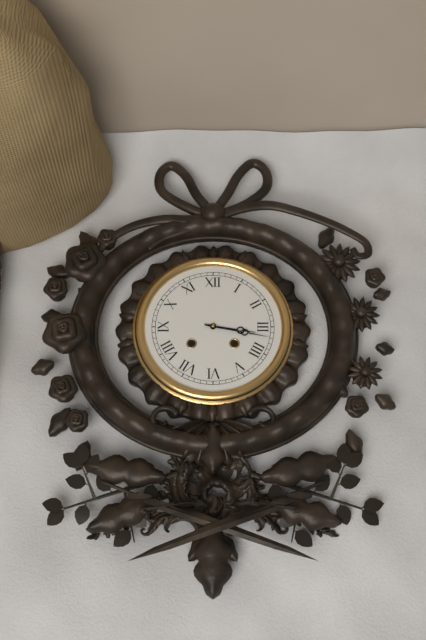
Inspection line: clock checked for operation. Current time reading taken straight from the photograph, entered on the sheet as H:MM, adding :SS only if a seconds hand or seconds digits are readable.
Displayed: 3:17
